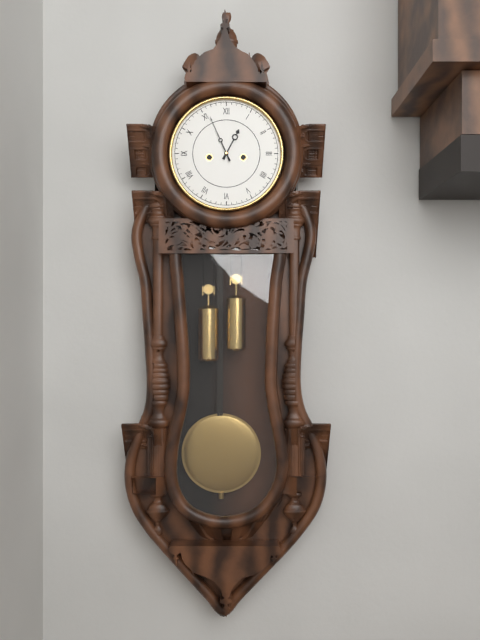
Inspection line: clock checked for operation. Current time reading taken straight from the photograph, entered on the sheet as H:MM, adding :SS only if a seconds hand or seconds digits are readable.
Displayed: 12:56
